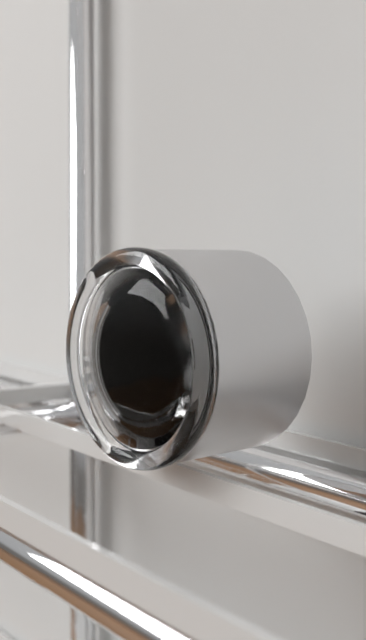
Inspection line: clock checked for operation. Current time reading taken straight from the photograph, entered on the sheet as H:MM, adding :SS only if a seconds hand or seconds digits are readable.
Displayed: 6:27
